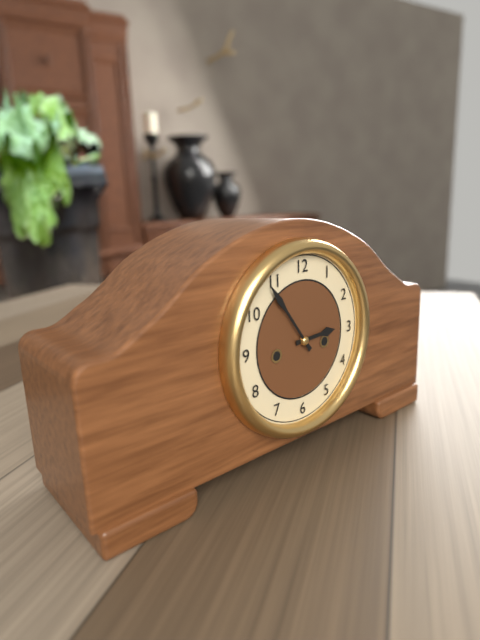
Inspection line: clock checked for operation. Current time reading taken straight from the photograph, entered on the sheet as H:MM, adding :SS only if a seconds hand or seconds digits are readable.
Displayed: 2:54
